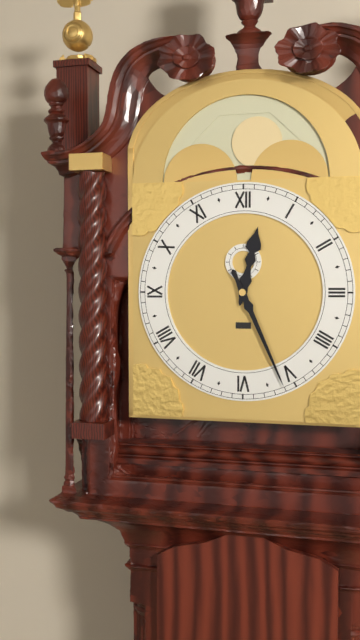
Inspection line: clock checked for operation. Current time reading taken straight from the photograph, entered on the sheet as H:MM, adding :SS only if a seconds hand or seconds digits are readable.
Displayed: 12:26
